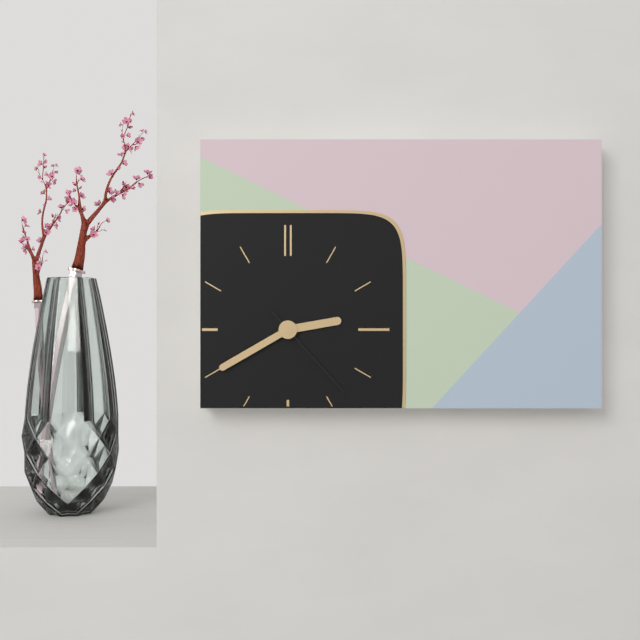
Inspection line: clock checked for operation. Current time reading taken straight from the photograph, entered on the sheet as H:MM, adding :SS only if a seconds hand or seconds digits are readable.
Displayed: 2:40:23
